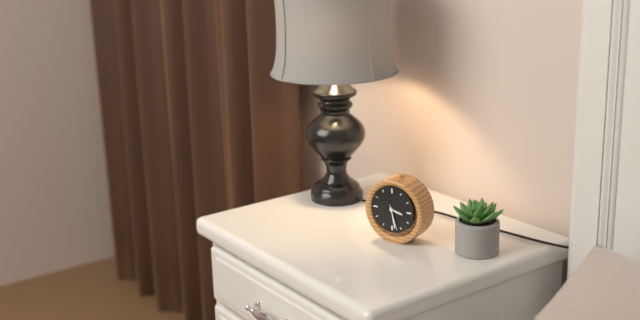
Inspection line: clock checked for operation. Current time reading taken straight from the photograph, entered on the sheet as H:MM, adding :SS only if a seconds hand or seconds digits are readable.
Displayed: 3:28
